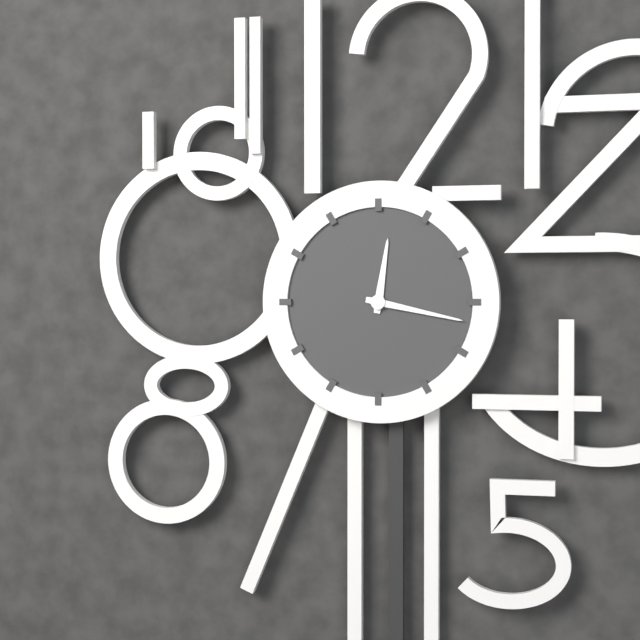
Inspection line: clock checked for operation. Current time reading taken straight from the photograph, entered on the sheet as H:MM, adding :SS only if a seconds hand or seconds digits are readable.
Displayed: 12:17
